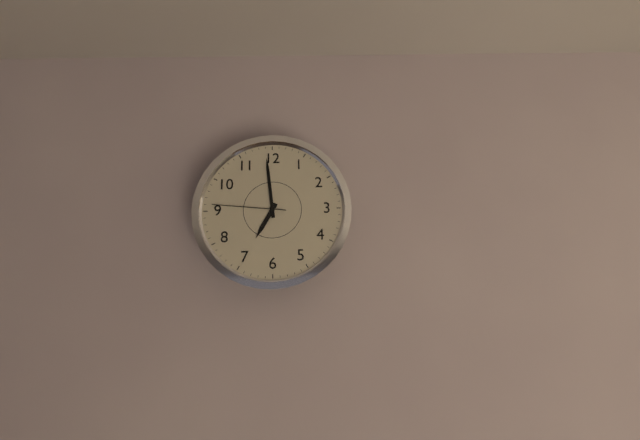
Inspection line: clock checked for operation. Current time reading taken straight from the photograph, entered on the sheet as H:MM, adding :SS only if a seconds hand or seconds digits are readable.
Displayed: 6:59:46
